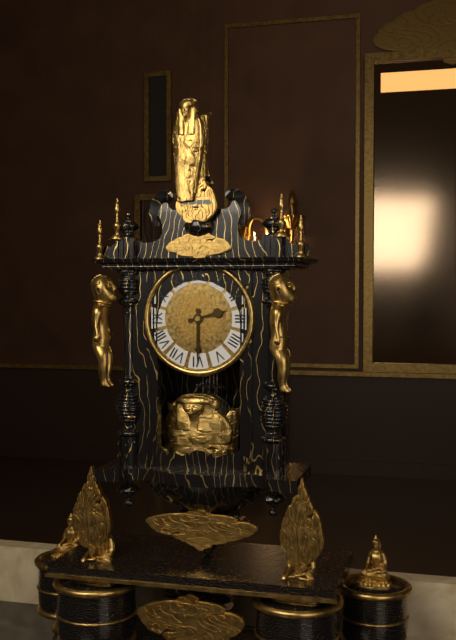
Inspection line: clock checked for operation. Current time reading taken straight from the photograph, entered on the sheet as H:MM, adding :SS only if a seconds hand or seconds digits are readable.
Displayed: 2:30
